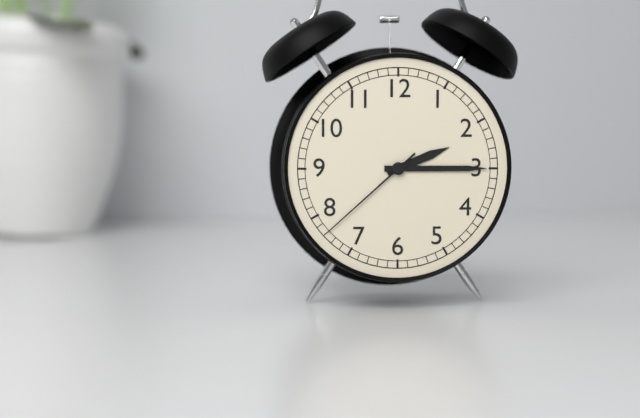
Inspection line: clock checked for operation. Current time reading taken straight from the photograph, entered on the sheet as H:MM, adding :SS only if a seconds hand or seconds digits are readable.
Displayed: 2:15:38
